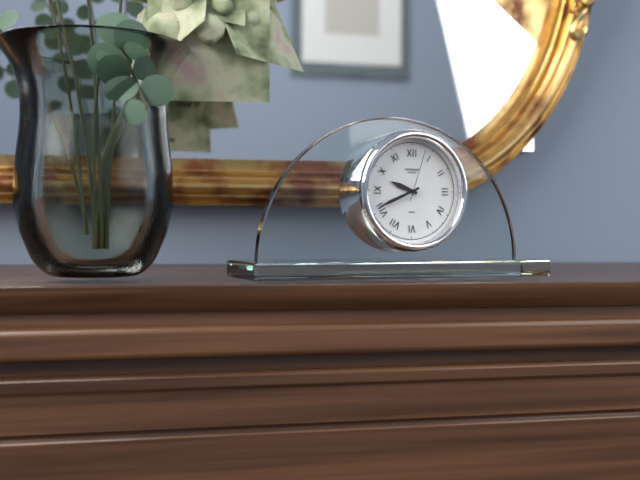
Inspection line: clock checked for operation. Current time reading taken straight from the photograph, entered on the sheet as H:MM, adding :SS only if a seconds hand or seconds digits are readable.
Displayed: 9:41:03
